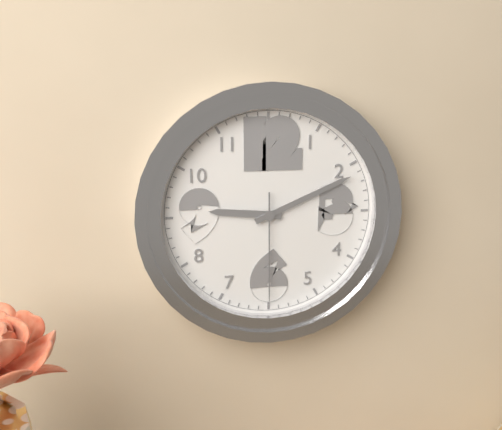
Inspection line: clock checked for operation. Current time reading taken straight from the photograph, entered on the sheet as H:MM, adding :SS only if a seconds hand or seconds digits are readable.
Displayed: 9:11:30
